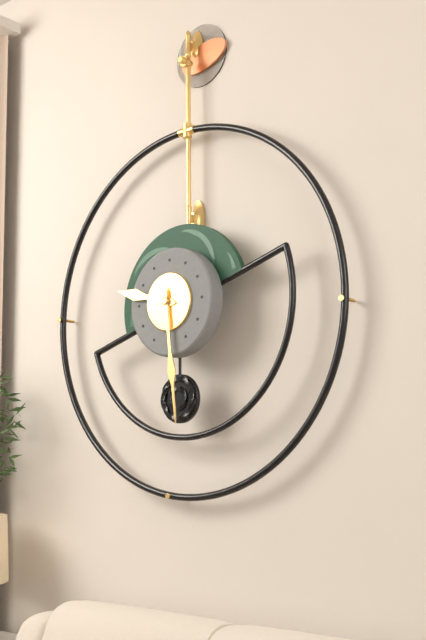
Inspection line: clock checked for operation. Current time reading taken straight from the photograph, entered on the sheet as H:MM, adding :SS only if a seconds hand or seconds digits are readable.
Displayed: 9:29
